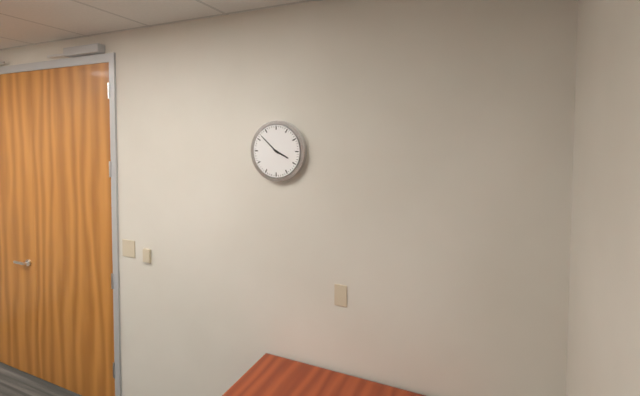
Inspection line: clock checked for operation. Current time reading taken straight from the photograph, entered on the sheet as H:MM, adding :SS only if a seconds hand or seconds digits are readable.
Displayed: 3:52
